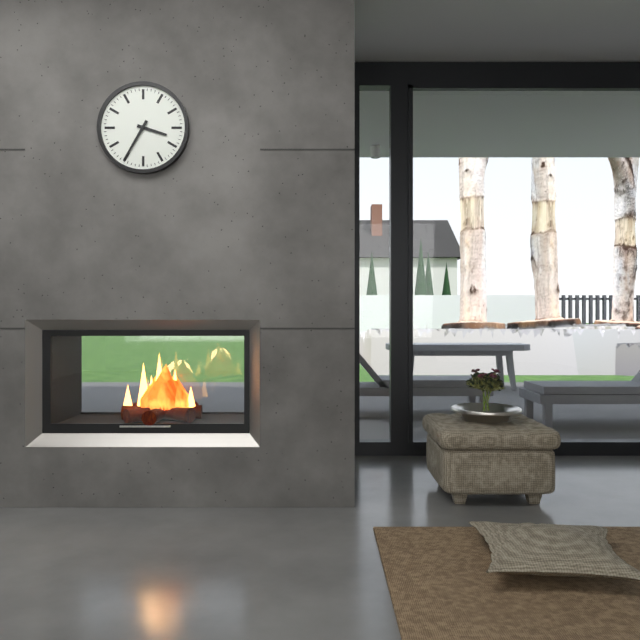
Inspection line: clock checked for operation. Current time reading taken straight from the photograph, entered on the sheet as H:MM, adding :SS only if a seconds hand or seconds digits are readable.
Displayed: 3:35
